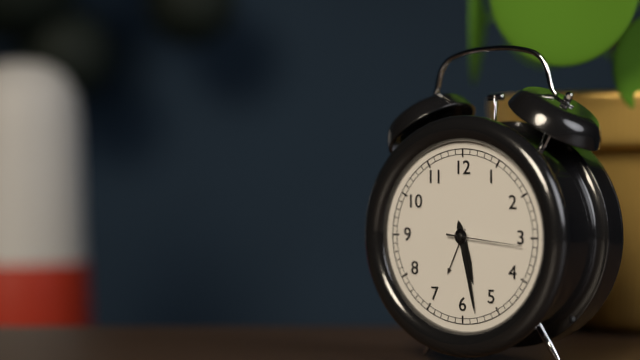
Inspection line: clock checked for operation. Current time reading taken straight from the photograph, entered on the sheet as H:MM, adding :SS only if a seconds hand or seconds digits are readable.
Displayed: 5:28:16
